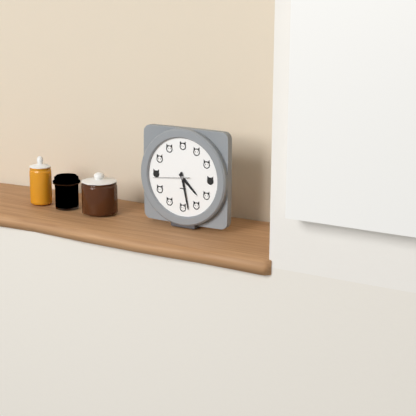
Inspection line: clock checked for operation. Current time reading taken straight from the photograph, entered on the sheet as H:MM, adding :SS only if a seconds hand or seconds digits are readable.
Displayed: 4:28
